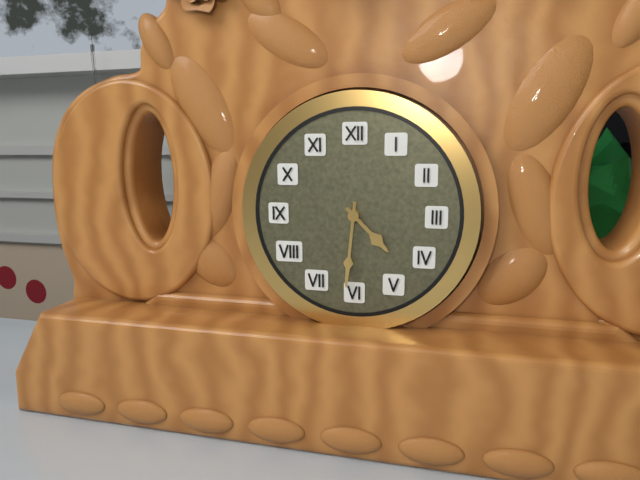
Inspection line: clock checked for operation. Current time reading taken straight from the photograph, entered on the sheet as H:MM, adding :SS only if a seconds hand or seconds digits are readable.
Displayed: 4:31
